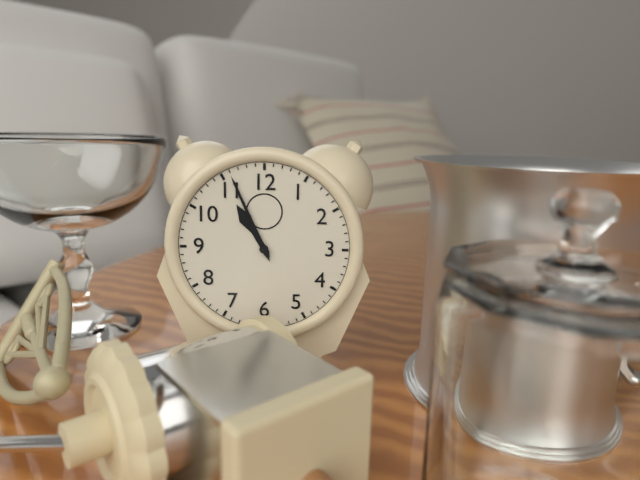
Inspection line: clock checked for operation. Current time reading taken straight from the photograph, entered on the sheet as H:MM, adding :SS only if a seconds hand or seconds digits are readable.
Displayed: 10:56
